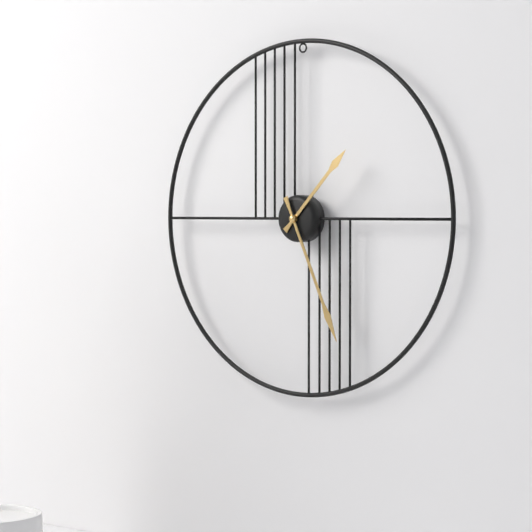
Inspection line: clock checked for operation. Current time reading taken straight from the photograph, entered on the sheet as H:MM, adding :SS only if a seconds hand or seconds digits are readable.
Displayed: 1:26
